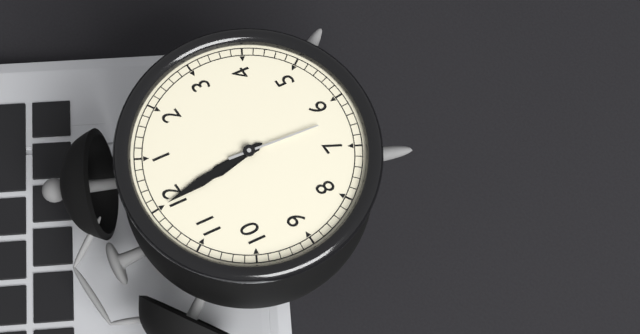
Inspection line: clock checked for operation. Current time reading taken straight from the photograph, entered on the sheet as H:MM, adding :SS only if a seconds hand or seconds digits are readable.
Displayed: 12:00:32
